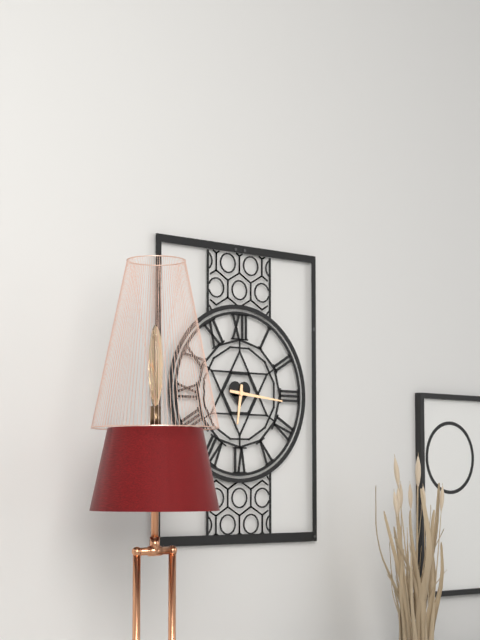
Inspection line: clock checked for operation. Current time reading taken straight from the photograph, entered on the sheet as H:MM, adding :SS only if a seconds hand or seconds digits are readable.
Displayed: 6:16
